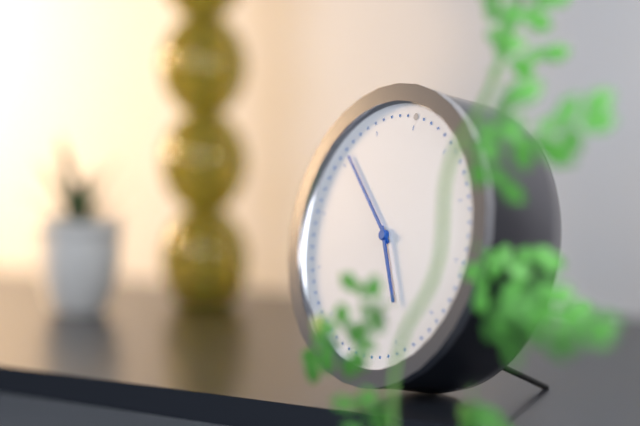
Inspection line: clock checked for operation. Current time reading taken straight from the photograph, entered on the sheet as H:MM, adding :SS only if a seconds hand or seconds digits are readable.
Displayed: 4:51
